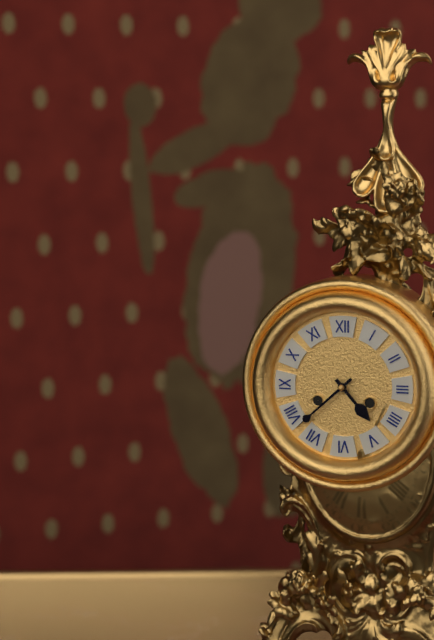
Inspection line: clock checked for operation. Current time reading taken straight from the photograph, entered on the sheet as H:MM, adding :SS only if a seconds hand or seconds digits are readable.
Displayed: 4:38
